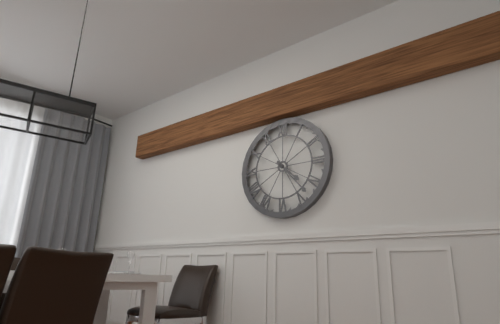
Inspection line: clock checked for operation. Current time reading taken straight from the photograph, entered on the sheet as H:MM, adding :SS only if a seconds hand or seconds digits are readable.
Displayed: 4:23
